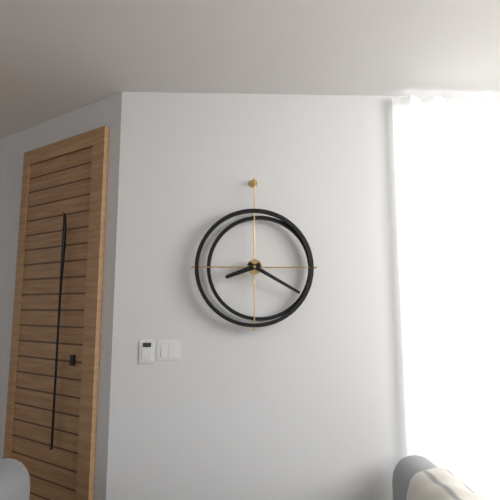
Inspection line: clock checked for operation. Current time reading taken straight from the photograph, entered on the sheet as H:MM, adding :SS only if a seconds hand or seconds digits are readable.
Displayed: 8:20
